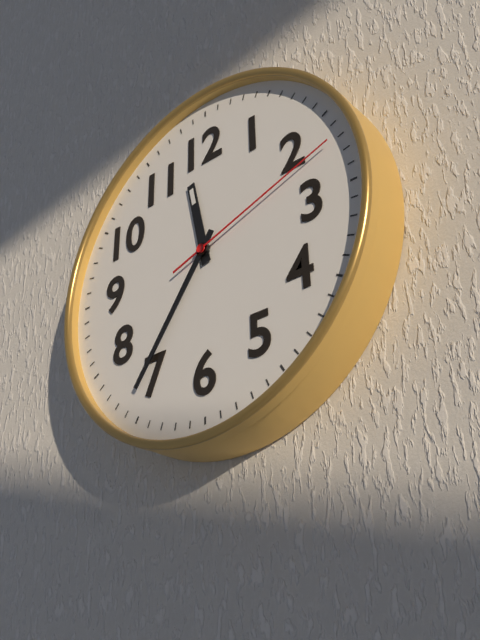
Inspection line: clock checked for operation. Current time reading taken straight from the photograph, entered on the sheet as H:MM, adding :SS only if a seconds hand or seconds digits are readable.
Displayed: 11:36:12
